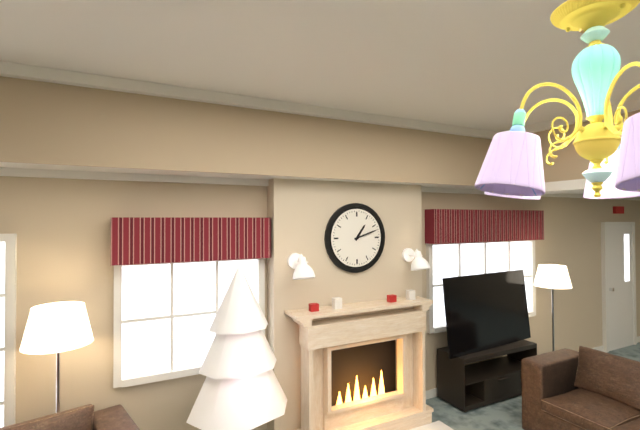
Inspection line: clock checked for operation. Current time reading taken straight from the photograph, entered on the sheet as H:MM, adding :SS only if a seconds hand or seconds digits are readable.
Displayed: 1:12
